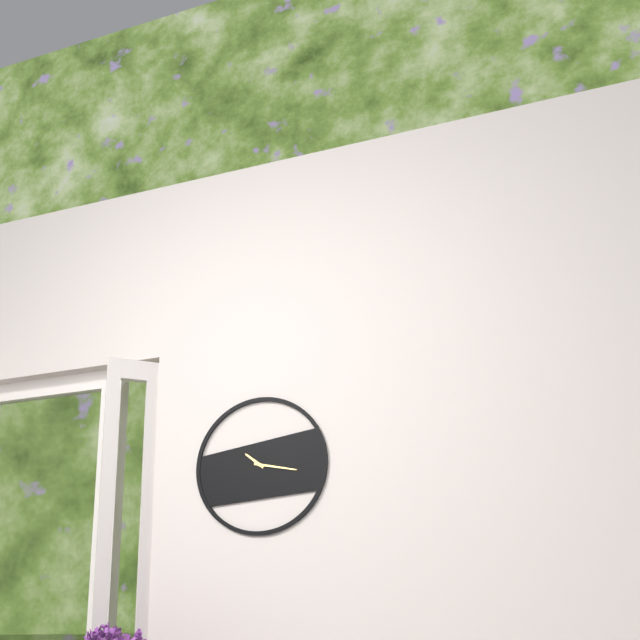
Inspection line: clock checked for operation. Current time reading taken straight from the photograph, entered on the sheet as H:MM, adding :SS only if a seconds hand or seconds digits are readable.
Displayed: 10:17
